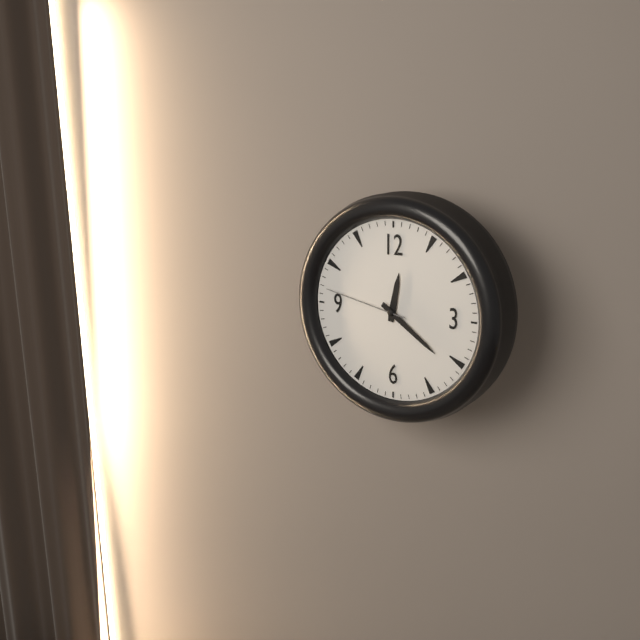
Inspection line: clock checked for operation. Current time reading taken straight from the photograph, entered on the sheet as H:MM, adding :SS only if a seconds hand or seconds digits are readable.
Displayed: 12:21:47
